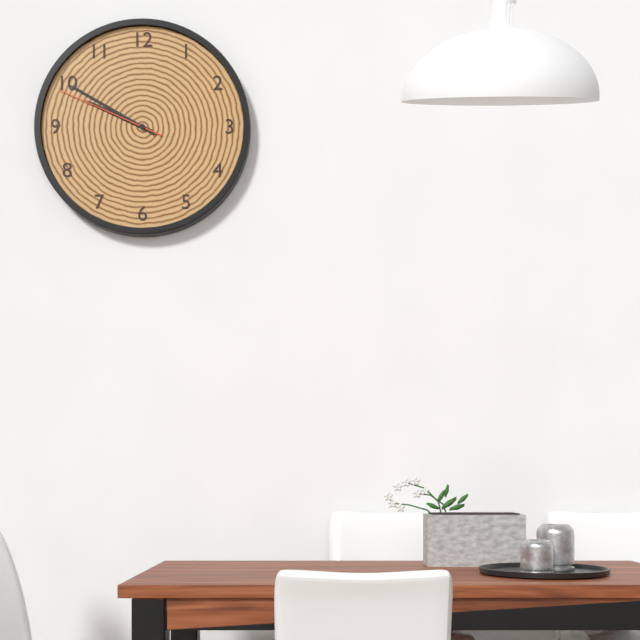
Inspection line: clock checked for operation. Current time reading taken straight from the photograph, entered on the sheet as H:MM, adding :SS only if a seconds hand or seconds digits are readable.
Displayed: 9:50:49
